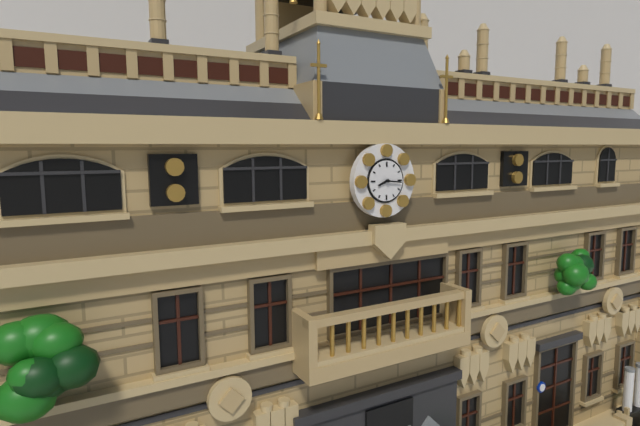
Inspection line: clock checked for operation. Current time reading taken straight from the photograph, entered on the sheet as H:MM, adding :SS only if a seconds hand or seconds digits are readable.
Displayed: 8:16
